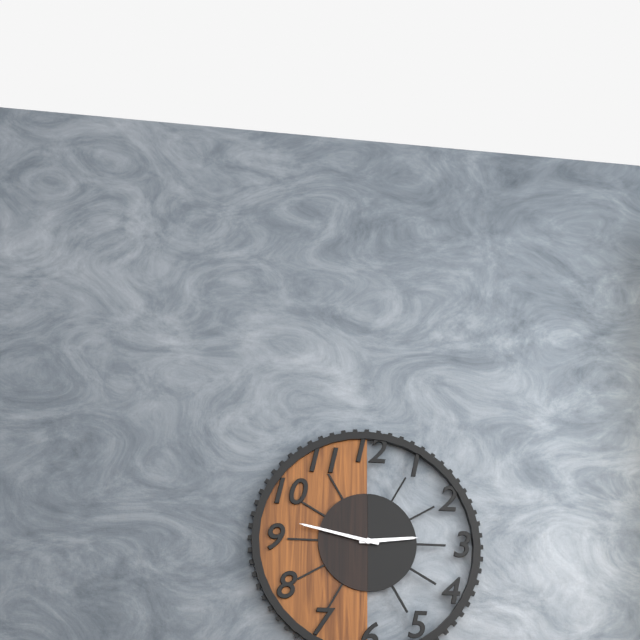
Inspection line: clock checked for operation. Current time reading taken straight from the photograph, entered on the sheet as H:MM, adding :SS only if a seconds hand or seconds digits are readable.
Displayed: 2:47
